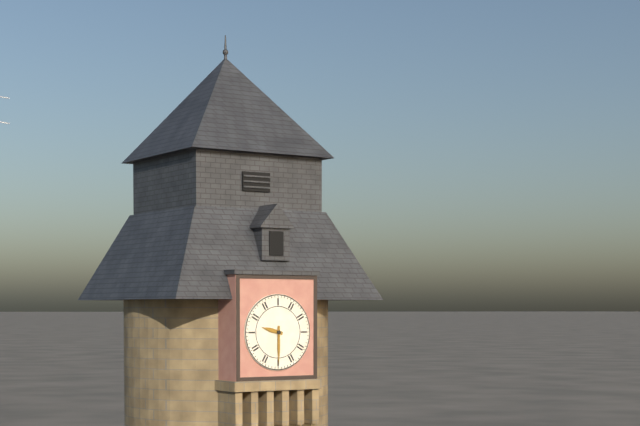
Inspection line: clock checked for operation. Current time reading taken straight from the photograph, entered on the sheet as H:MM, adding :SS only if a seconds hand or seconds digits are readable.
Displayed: 9:30
